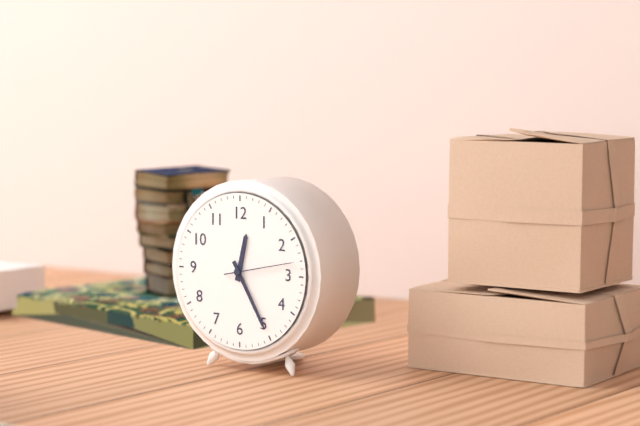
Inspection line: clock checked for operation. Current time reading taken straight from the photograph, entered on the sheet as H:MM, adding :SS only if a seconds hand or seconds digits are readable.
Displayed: 12:25:13
